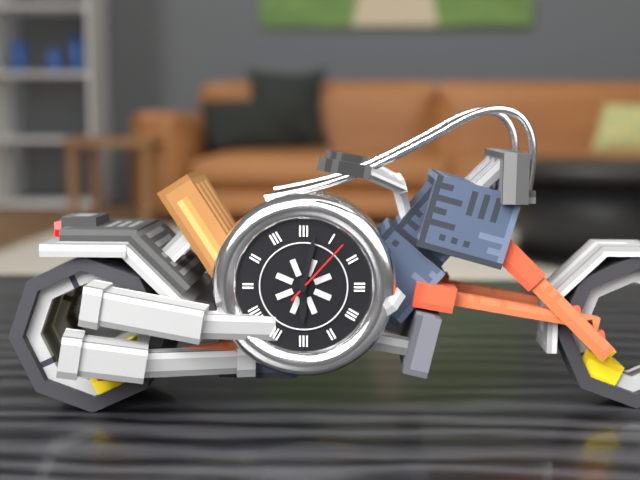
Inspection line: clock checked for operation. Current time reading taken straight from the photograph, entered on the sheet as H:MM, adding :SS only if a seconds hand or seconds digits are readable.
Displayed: 6:02:07
